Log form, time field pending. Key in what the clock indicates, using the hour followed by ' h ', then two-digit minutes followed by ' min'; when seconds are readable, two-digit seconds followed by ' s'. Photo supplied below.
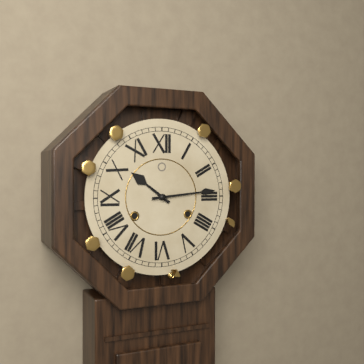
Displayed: 10 h 14 min
